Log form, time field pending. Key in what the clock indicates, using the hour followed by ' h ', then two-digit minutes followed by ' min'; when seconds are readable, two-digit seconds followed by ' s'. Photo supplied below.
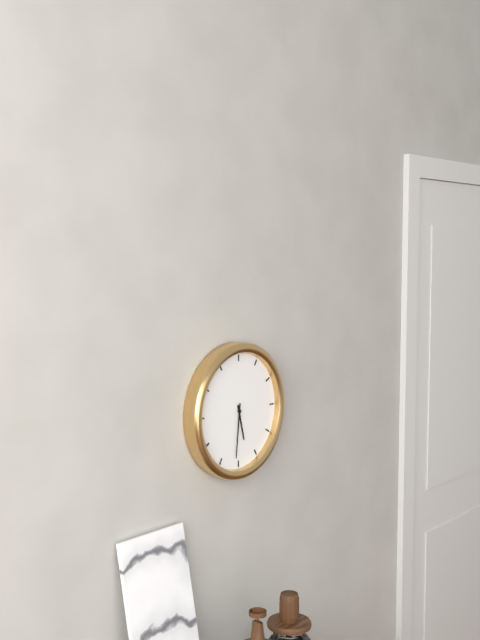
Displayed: 5 h 31 min
